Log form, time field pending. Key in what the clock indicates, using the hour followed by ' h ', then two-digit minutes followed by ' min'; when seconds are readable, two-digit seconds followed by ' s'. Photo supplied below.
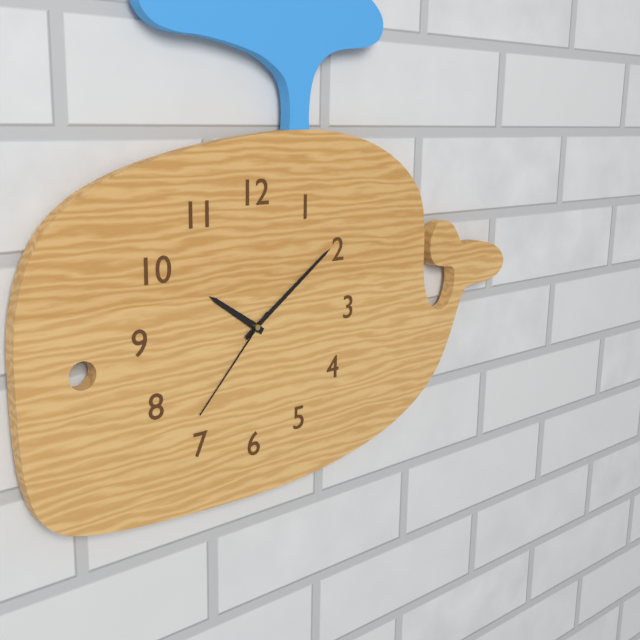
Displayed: 10 h 09 min 37 s
